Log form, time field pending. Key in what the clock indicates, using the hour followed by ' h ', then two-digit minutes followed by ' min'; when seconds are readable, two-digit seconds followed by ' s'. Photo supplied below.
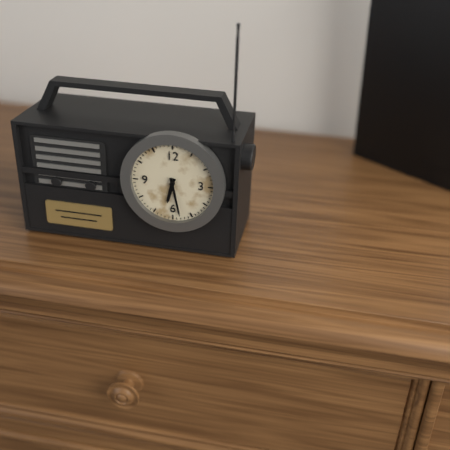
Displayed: 6 h 28 min
